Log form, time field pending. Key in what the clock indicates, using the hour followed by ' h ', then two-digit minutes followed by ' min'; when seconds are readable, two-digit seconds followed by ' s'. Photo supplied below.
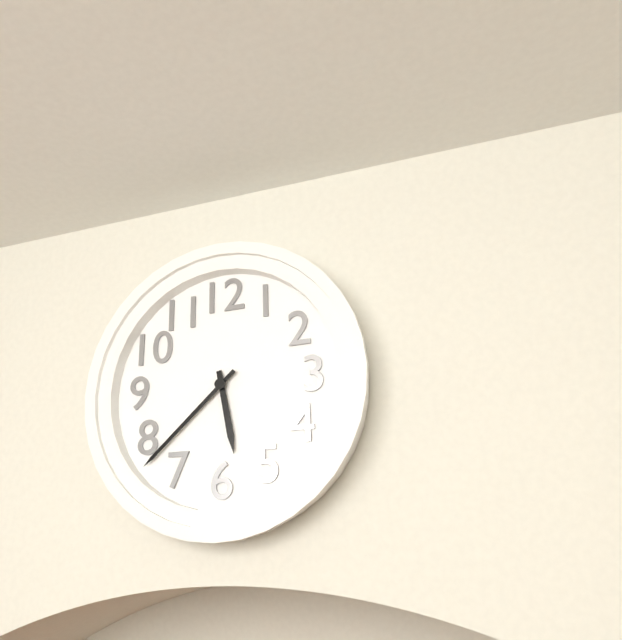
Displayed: 5 h 38 min
